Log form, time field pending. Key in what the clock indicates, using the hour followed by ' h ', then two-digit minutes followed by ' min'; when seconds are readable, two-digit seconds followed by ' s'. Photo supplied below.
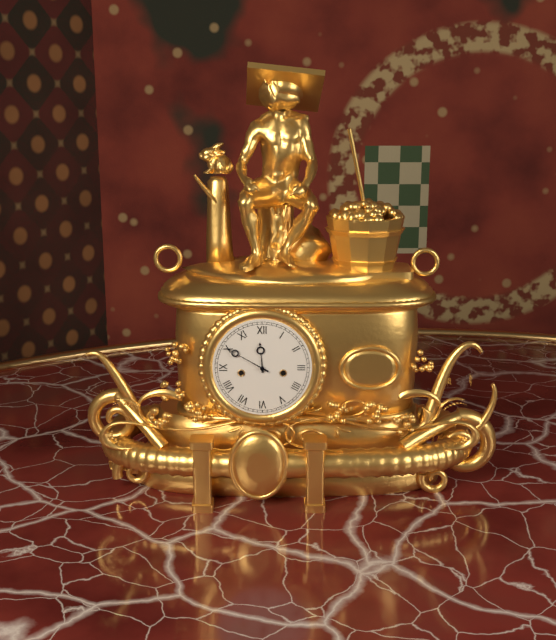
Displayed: 11 h 50 min
